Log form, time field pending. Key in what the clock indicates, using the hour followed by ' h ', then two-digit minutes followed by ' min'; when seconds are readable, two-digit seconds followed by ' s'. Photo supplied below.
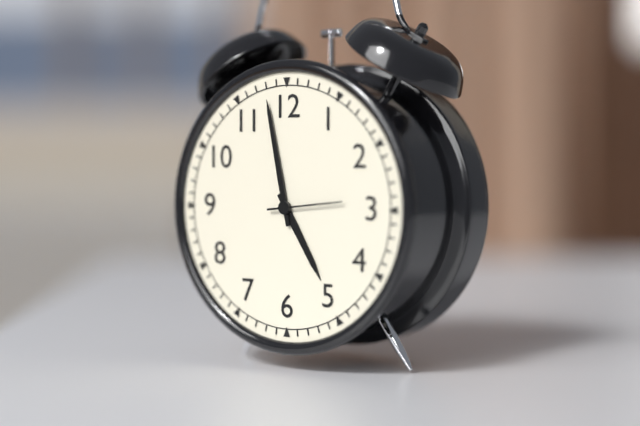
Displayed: 4 h 58 min 14 s
